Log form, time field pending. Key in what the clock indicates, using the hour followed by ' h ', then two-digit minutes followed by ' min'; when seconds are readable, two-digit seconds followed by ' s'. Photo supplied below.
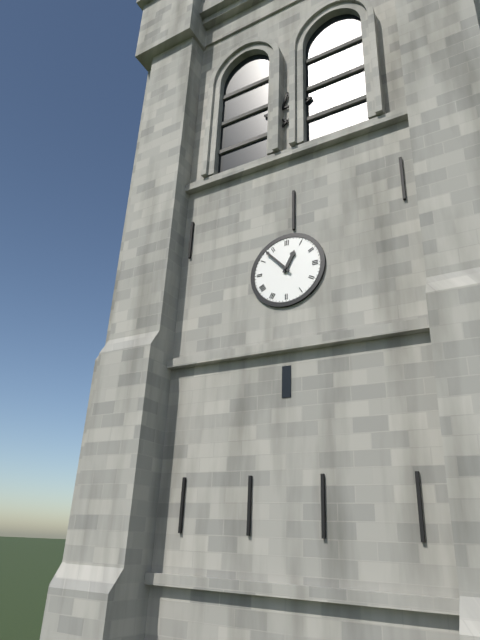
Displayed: 12 h 53 min
